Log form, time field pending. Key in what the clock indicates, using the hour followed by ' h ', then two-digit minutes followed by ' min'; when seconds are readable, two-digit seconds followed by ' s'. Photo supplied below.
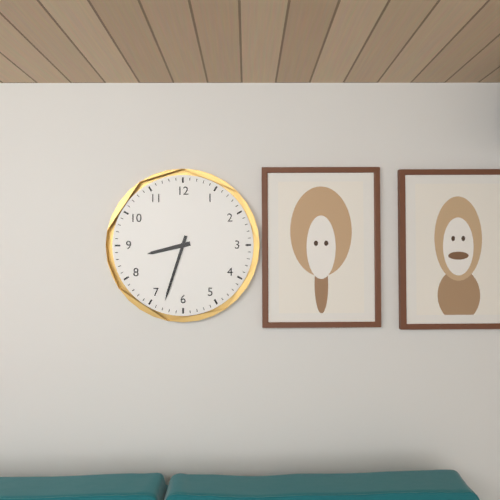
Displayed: 8 h 33 min
